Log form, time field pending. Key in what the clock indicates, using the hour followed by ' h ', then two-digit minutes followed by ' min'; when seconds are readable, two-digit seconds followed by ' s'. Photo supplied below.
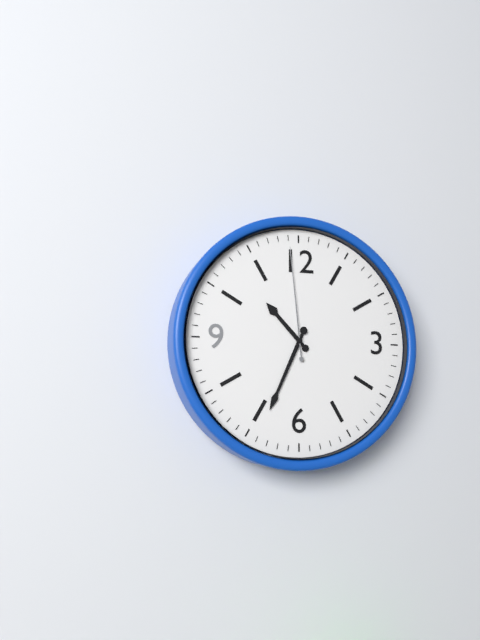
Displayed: 10 h 34 min 59 s
